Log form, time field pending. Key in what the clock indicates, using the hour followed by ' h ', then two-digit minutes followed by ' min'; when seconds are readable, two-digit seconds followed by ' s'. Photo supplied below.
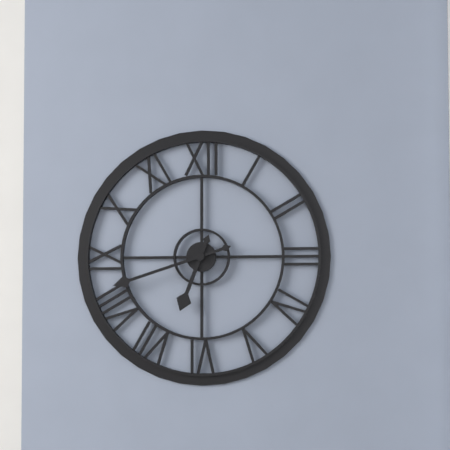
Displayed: 6 h 42 min
